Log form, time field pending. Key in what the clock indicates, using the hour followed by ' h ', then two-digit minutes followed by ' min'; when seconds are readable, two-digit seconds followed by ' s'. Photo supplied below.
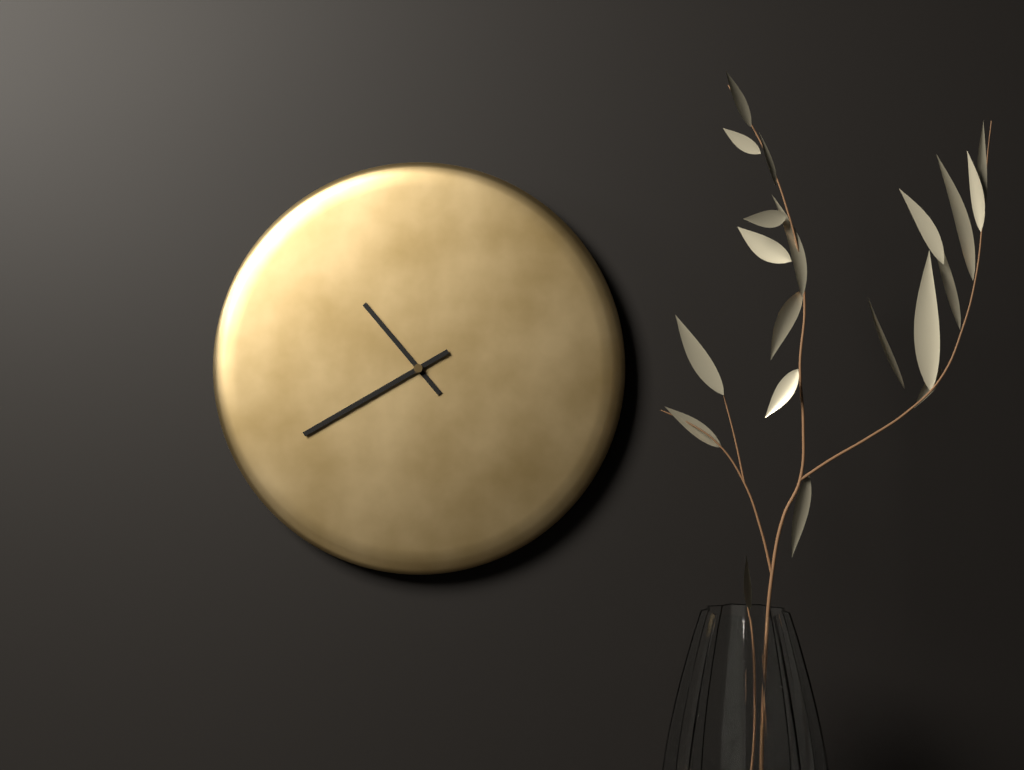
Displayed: 10 h 40 min
